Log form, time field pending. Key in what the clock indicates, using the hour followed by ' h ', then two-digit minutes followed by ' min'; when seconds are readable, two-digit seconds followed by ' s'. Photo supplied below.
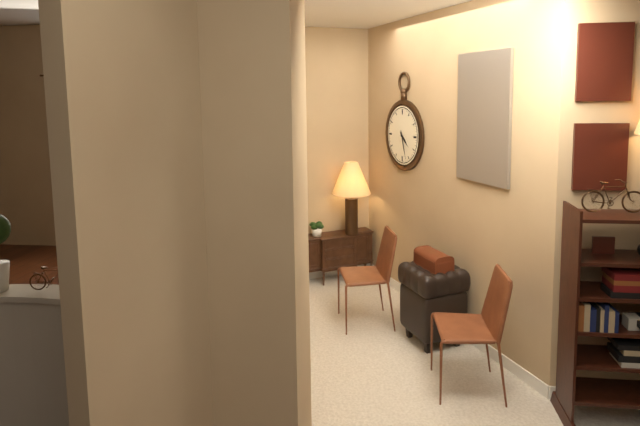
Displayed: 4 h 27 min
